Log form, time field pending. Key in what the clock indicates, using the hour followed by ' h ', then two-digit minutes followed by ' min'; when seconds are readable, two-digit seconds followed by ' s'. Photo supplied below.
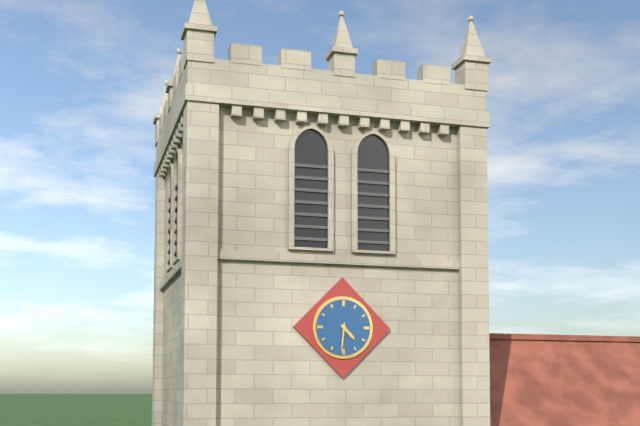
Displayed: 4 h 31 min
